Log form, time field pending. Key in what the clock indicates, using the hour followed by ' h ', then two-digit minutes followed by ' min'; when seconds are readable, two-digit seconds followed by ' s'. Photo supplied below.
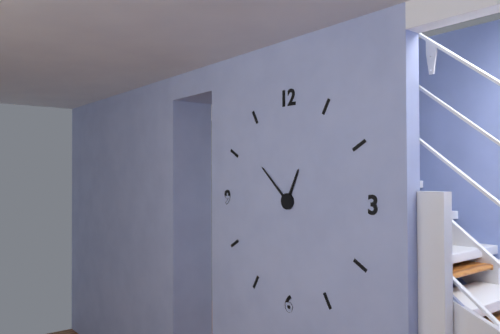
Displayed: 12 h 52 min
